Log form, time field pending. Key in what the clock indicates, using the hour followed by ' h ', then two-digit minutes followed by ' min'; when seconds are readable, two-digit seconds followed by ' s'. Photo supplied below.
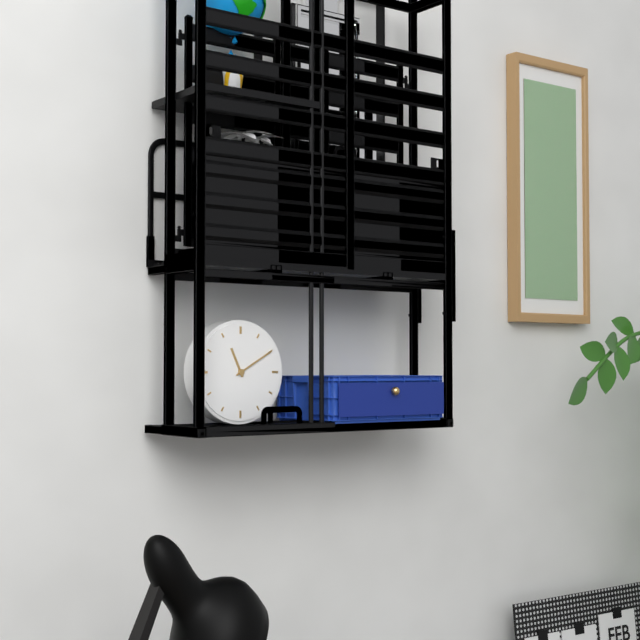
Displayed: 11 h 10 min
